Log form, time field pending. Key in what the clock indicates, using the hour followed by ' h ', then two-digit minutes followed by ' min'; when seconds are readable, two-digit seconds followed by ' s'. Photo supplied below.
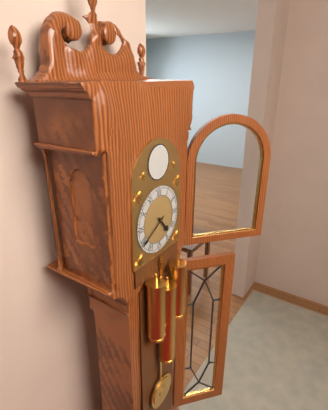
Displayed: 4 h 40 min
